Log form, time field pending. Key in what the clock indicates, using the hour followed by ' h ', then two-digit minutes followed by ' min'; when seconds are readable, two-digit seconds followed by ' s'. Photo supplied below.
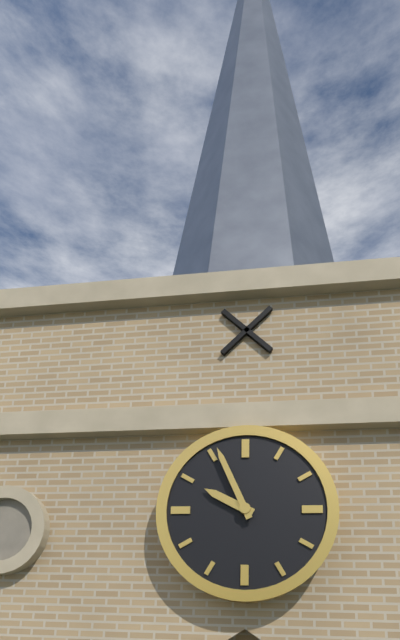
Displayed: 9 h 56 min
